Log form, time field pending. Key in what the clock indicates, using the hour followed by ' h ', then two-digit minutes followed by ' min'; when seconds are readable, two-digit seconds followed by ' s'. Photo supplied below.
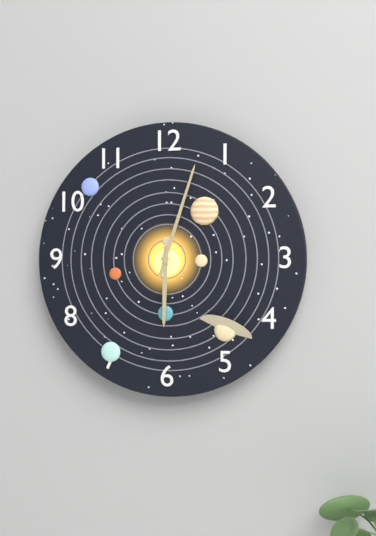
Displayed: 6 h 03 min
